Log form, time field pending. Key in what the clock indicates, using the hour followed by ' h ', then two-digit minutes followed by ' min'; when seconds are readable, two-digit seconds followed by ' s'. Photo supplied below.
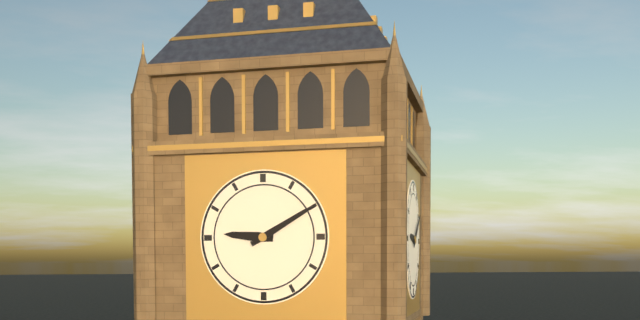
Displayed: 9 h 10 min
